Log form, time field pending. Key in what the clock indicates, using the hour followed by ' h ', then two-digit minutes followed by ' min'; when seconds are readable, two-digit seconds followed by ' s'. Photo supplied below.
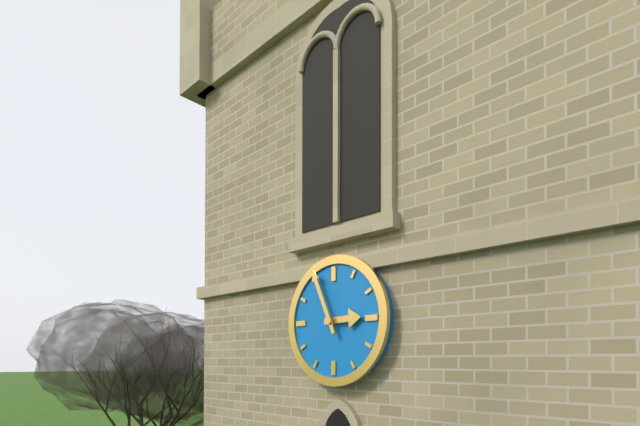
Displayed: 2 h 56 min
